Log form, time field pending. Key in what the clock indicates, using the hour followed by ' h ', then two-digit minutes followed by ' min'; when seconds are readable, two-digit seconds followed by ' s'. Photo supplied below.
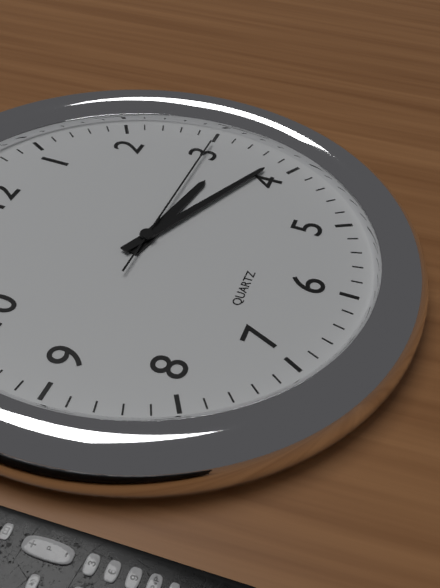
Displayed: 3 h 19 min 15 s
